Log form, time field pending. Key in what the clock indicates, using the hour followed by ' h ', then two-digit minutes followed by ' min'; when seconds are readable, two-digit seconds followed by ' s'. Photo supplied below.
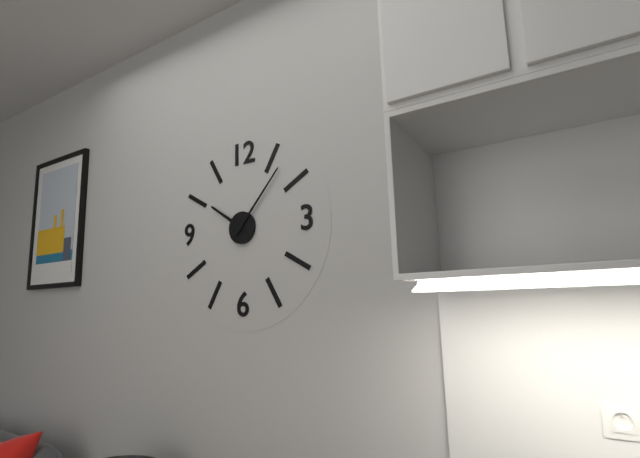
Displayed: 10 h 07 min
